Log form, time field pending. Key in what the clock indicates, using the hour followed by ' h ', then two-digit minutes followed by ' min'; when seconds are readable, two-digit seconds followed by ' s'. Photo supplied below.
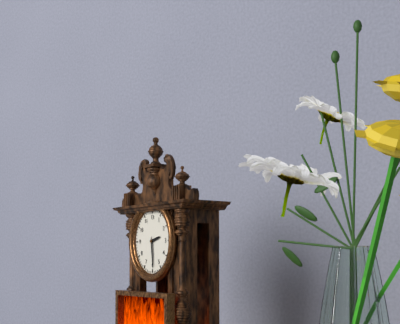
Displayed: 2 h 29 min
